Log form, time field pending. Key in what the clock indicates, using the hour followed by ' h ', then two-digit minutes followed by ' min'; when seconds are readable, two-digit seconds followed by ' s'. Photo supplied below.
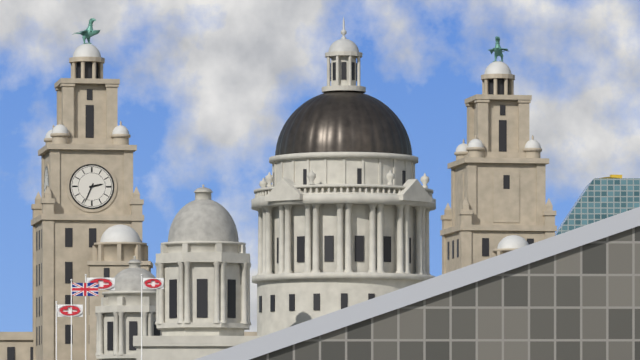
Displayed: 2 h 34 min
